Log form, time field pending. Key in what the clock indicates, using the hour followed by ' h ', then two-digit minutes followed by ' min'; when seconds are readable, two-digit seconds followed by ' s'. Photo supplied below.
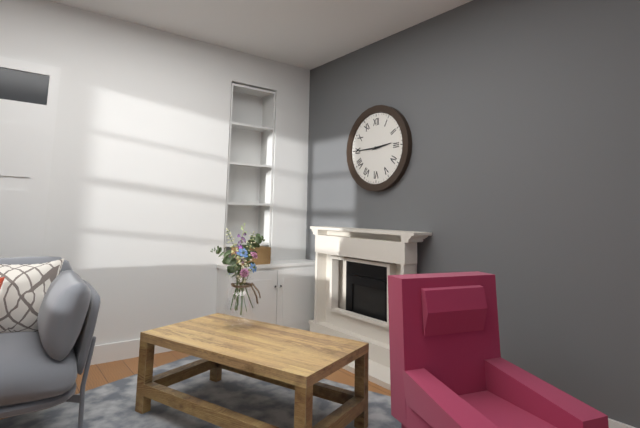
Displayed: 2 h 45 min
